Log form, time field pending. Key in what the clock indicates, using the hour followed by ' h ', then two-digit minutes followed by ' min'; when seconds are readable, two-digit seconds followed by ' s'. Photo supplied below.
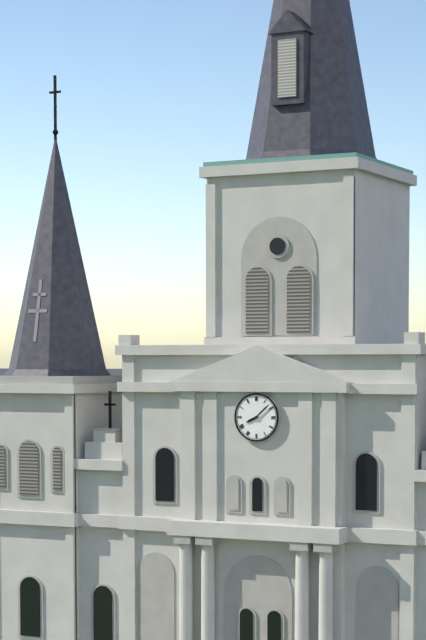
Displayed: 8 h 08 min
